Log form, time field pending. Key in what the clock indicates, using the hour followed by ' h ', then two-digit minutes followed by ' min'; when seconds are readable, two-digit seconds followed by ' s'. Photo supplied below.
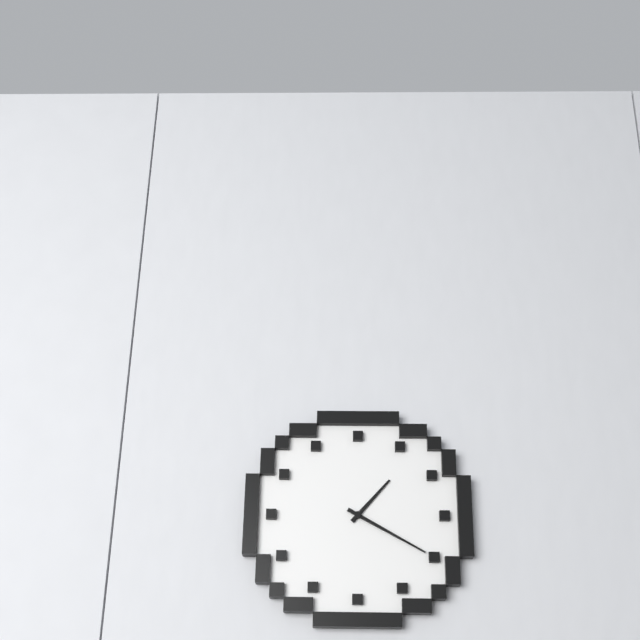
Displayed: 1 h 20 min
